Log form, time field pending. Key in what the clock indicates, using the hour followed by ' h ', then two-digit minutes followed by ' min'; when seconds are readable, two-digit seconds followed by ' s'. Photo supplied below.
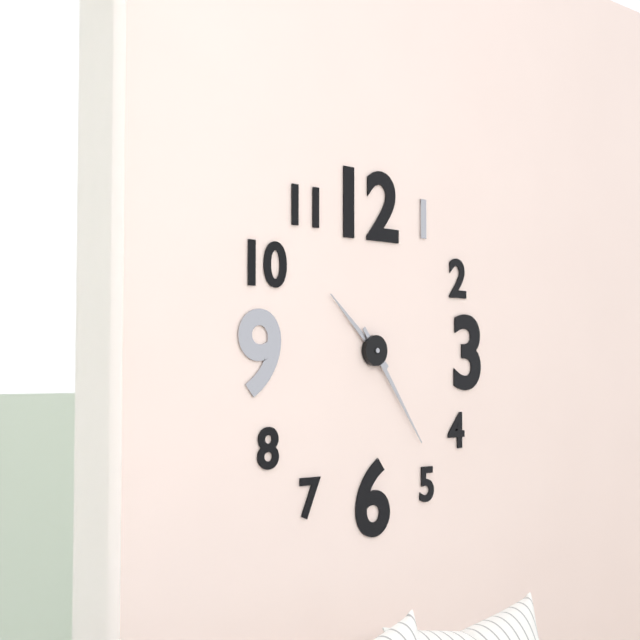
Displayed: 10 h 24 min
